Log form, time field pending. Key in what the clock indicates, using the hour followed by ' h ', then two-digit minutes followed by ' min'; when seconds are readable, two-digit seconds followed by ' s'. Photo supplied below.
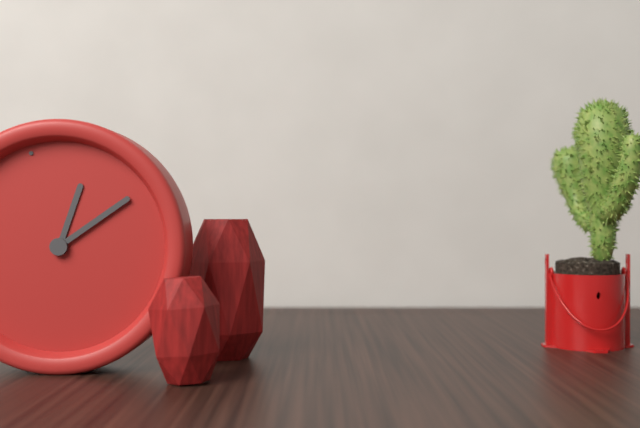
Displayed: 1 h 12 min
